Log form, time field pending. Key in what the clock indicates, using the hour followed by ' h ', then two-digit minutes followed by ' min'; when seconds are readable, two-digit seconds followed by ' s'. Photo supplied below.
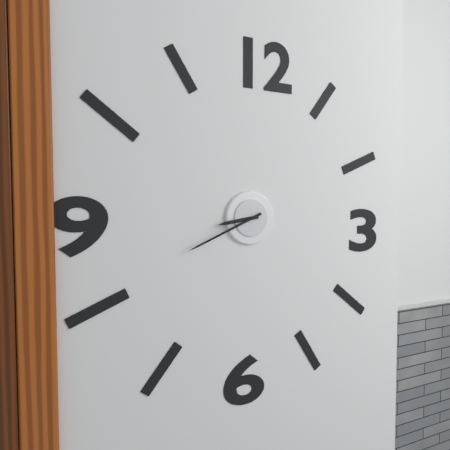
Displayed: 8 h 41 min
